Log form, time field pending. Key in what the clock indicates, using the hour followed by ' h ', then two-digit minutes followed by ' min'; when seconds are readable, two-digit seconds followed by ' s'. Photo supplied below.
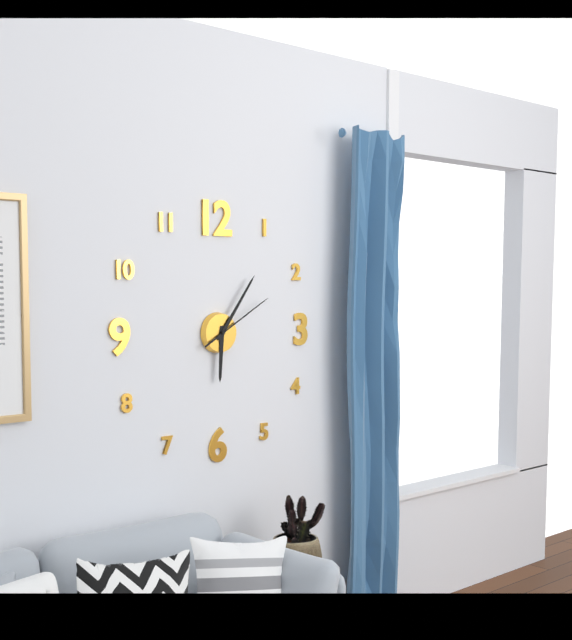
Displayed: 6 h 06 min 10 s
